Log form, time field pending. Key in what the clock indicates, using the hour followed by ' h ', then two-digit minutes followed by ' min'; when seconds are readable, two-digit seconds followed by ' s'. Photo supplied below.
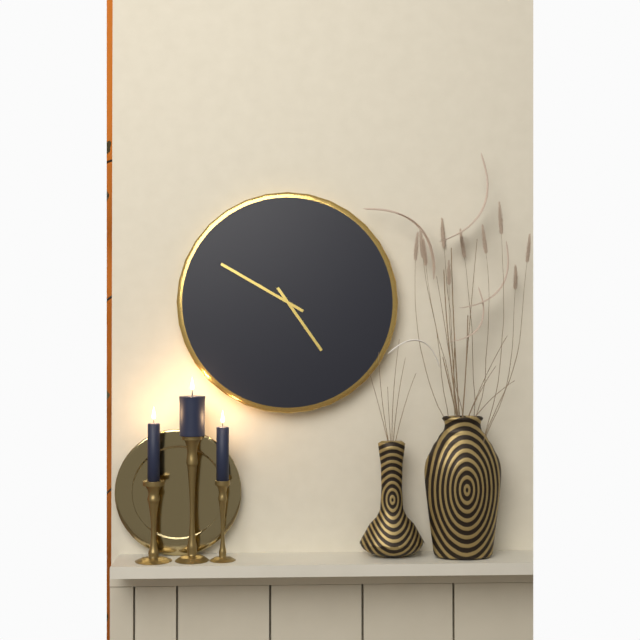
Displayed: 4 h 50 min
